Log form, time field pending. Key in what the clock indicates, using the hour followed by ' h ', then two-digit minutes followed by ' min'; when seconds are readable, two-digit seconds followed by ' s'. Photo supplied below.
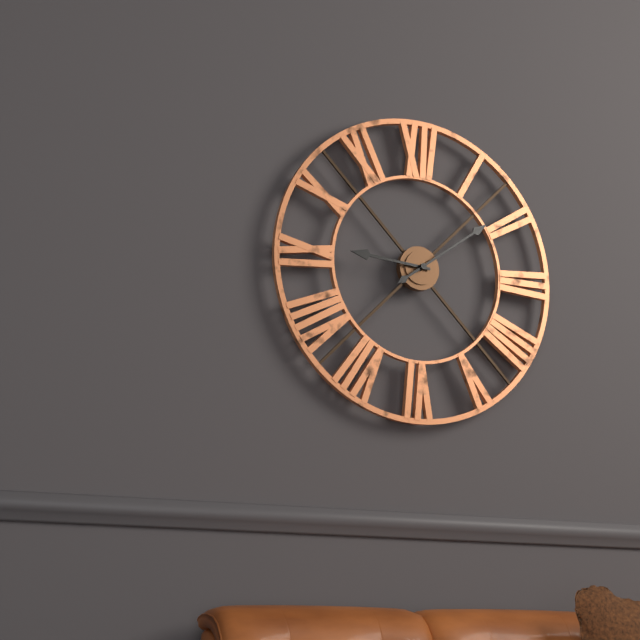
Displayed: 9 h 09 min
